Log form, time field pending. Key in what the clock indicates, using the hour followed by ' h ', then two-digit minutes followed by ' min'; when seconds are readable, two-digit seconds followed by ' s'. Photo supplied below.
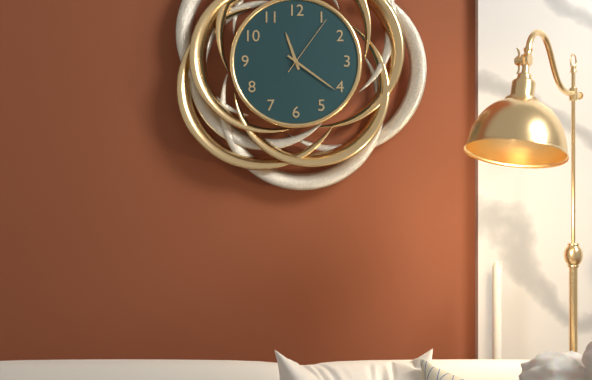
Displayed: 11 h 21 min 06 s
